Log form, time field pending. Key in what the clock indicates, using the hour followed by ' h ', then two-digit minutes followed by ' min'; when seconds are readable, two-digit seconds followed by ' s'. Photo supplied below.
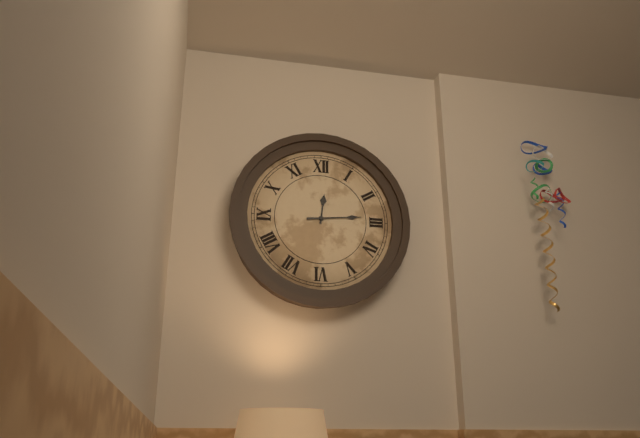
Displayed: 12 h 14 min
